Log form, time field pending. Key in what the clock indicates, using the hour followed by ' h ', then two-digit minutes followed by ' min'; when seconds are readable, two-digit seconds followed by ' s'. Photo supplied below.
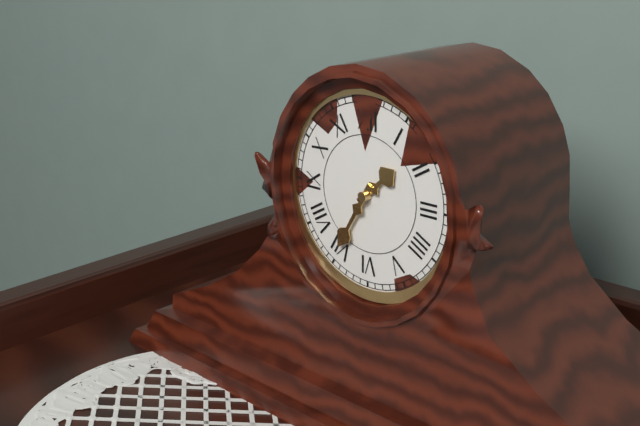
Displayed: 1 h 35 min
